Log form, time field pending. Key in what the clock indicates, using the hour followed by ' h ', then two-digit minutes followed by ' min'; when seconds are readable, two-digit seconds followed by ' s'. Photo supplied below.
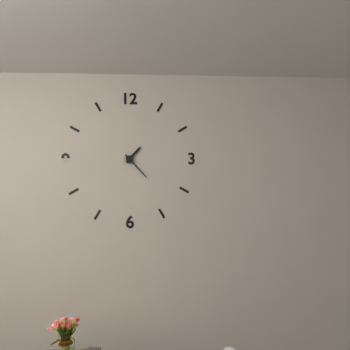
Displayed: 1 h 23 min
